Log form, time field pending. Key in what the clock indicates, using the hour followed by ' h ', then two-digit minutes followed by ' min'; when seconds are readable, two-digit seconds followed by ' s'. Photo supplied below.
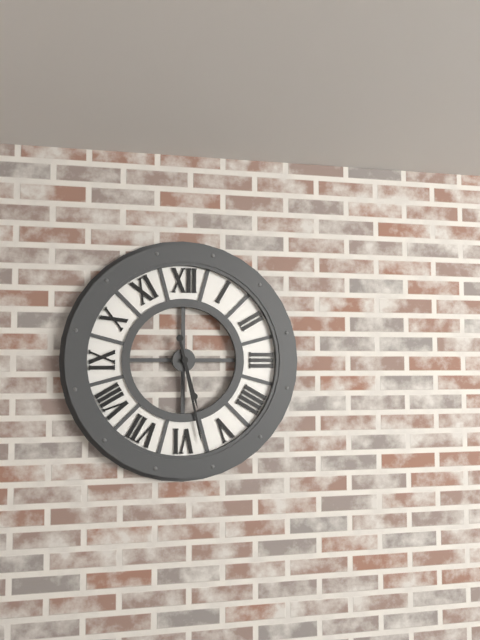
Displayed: 5 h 28 min
